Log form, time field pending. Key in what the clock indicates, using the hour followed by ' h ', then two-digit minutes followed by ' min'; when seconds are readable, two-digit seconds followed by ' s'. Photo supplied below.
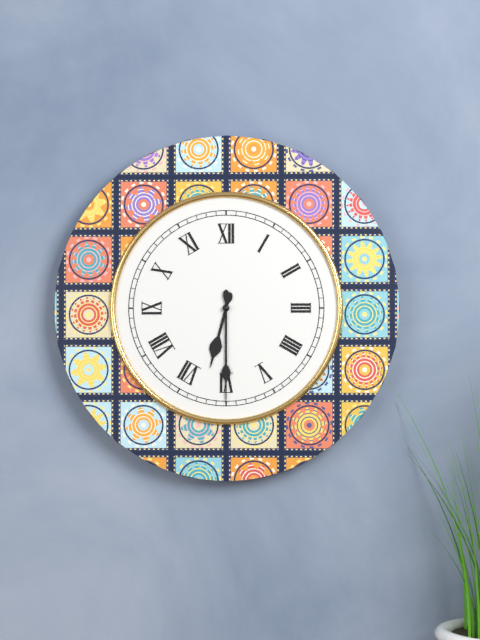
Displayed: 6 h 30 min
